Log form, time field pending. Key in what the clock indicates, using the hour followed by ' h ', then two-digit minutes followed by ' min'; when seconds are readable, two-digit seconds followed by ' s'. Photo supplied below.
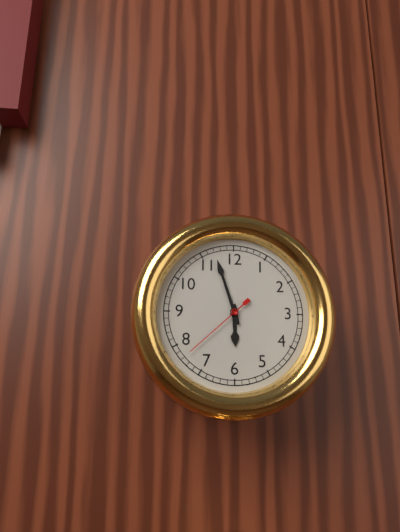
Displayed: 5 h 57 min 38 s
